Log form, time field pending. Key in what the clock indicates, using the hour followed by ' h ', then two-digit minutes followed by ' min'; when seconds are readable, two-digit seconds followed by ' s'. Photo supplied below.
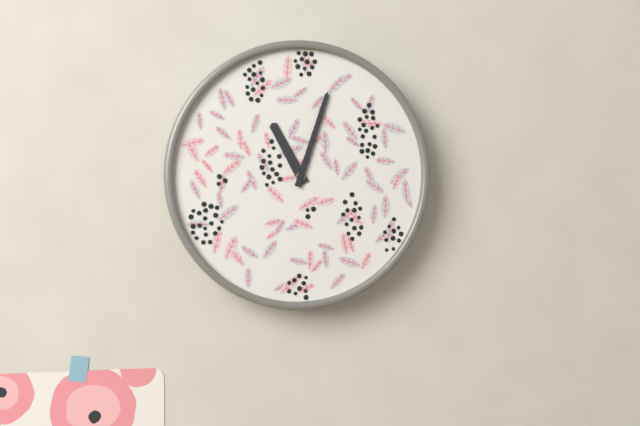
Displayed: 11 h 03 min
